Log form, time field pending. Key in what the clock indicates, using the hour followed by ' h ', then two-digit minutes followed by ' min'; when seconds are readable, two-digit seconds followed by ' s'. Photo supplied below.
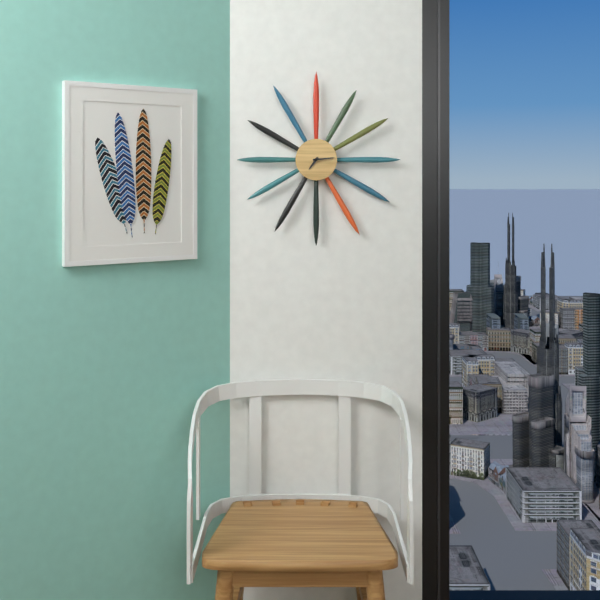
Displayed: 7 h 14 min
